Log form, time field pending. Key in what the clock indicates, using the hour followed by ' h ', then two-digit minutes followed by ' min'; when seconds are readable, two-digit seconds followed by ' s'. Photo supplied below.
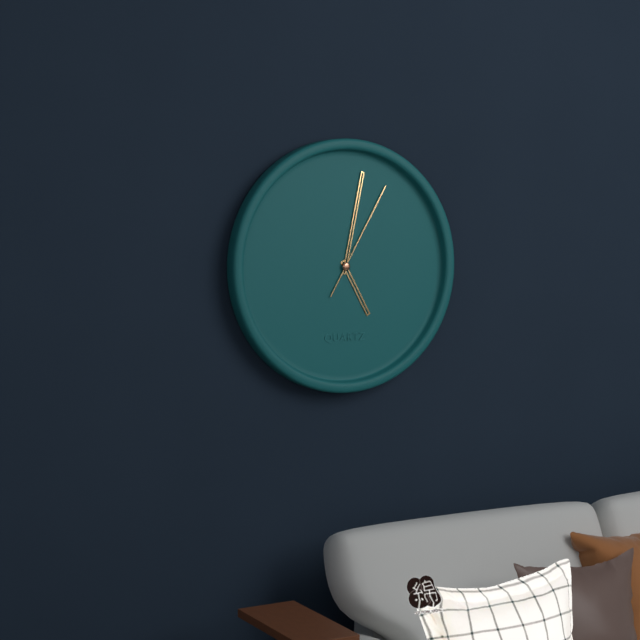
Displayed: 5 h 02 min 05 s
